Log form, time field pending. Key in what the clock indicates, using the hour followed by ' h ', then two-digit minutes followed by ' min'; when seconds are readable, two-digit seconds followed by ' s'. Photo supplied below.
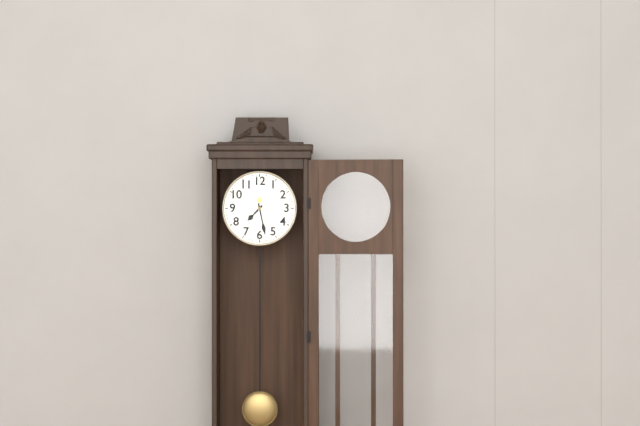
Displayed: 7 h 28 min
